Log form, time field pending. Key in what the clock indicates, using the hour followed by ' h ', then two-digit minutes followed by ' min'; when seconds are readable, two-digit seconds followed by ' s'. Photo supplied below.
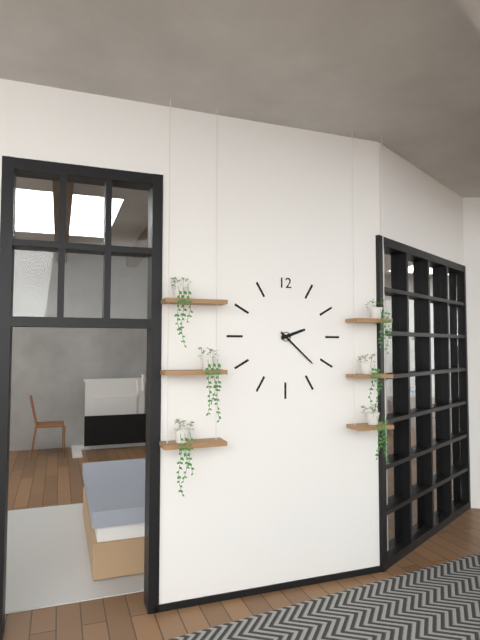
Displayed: 2 h 22 min
